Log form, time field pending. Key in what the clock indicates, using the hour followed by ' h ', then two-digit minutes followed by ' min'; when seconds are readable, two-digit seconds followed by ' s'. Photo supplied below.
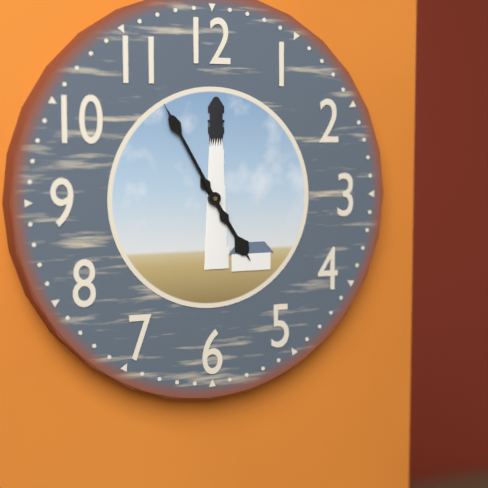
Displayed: 4 h 55 min
